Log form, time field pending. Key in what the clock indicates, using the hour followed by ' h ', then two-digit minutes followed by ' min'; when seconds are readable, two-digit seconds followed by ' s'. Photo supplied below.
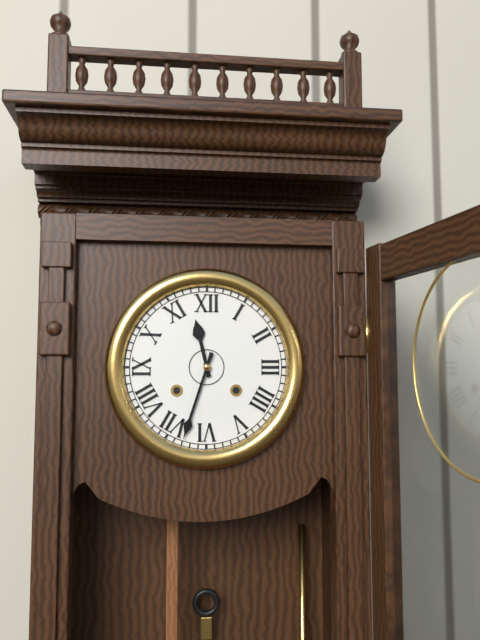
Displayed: 11 h 33 min
